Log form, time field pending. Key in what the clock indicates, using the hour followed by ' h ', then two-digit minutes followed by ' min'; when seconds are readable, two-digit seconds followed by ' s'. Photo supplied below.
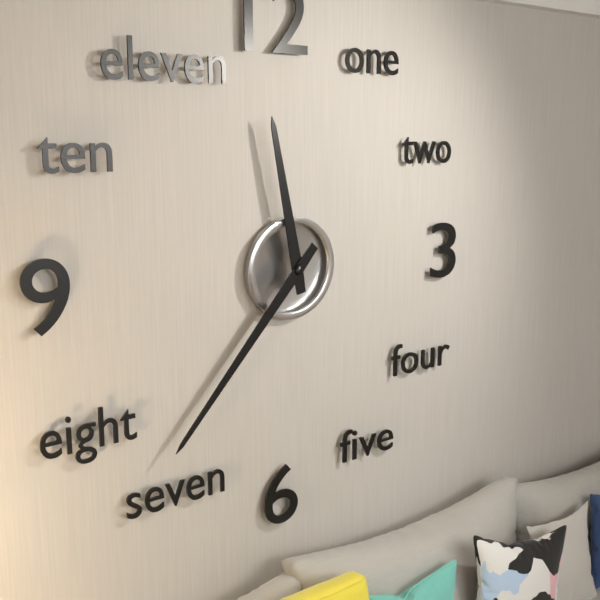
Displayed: 11 h 37 min
